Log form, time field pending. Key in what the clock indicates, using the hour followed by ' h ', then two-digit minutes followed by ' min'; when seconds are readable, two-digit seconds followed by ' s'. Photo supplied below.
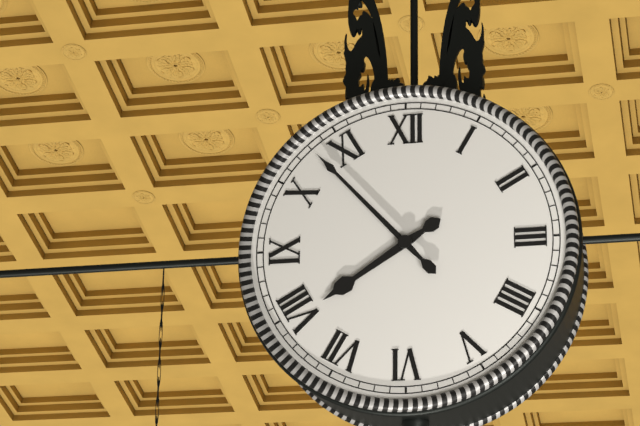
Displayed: 7 h 53 min
